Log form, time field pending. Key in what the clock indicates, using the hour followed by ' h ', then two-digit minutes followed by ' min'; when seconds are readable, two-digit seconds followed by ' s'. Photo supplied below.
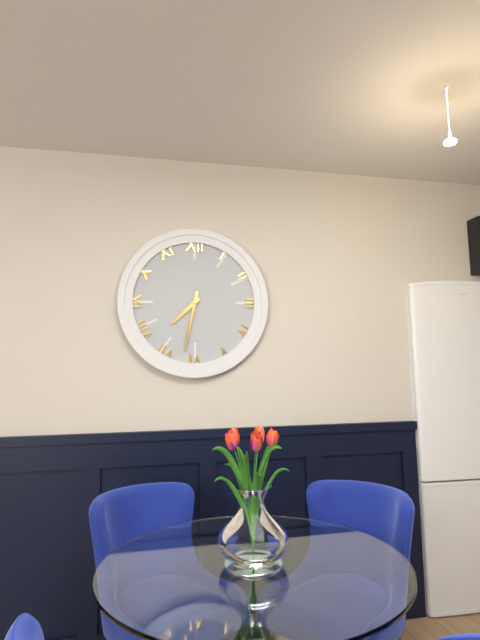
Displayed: 7 h 32 min
